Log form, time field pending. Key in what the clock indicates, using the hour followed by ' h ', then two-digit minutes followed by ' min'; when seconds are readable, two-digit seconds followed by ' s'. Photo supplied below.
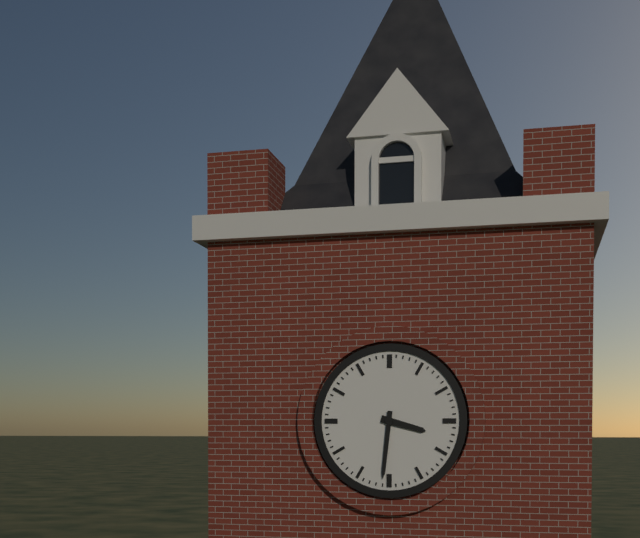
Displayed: 3 h 31 min
